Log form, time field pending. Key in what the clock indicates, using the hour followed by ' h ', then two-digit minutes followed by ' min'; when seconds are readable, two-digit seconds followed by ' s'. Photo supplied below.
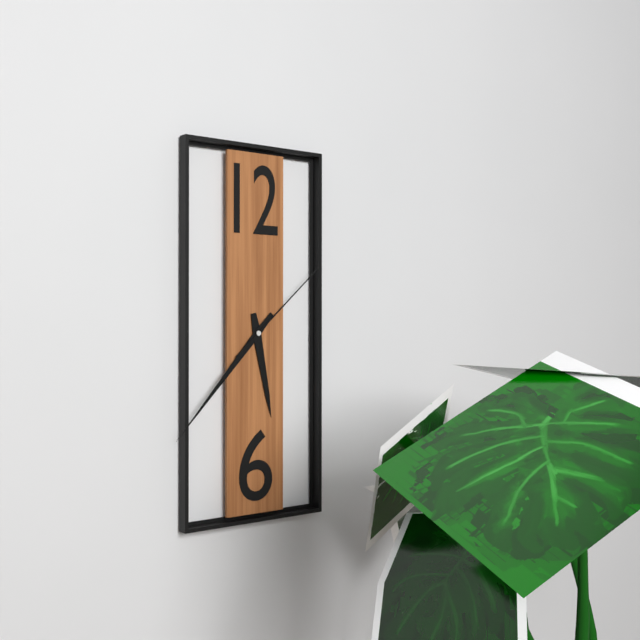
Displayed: 5 h 37 min 08 s
